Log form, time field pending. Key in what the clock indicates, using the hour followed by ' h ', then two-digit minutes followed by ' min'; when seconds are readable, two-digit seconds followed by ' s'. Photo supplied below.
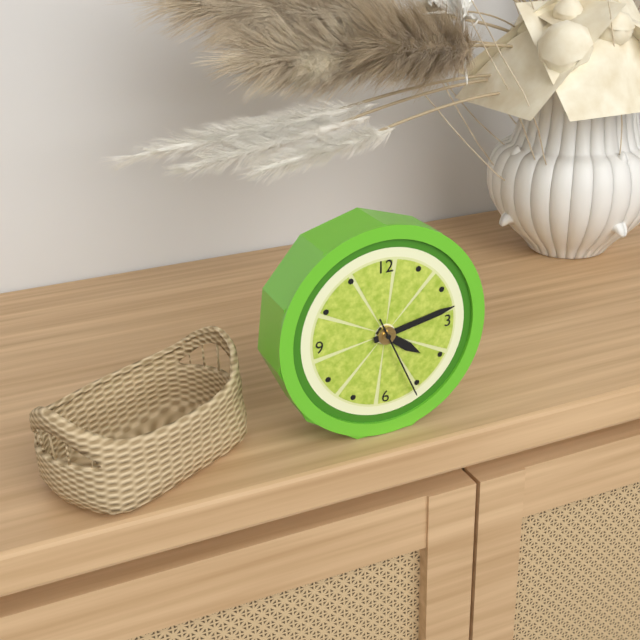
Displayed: 4 h 13 min 26 s
